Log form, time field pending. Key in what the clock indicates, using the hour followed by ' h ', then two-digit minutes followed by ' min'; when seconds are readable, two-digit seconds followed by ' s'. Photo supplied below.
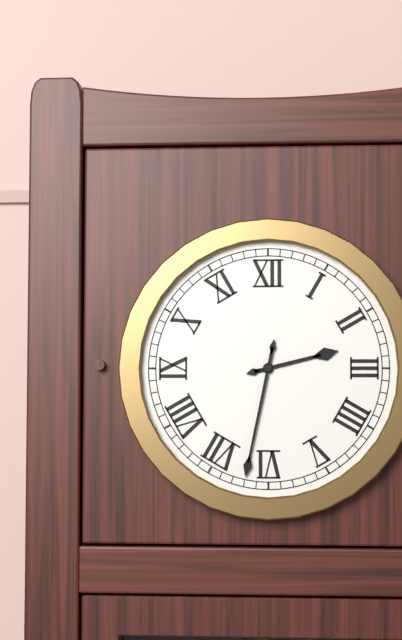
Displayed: 2 h 32 min
